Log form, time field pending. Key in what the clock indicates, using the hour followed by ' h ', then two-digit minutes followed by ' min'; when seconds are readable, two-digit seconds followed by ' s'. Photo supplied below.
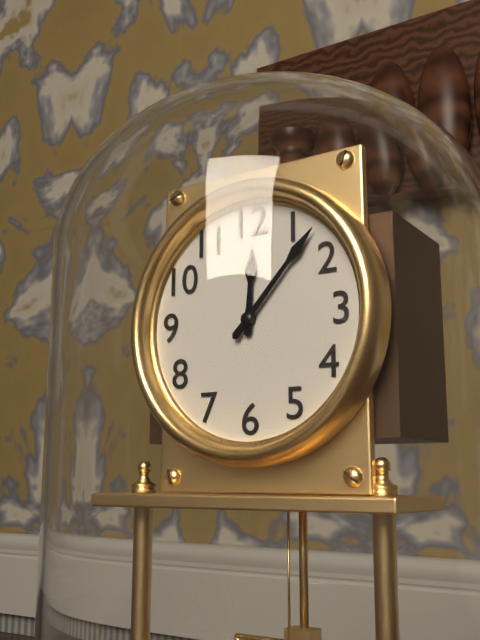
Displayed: 12 h 07 min
